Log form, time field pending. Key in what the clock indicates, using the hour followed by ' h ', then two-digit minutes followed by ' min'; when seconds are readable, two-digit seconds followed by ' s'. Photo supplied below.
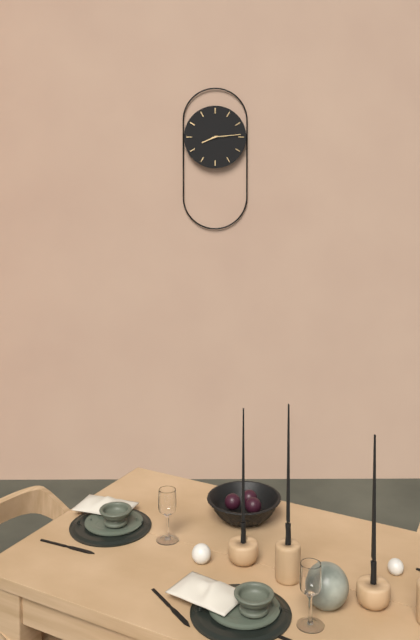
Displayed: 8 h 14 min
